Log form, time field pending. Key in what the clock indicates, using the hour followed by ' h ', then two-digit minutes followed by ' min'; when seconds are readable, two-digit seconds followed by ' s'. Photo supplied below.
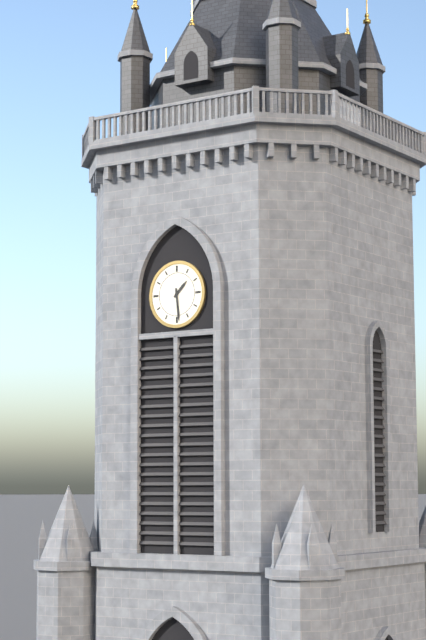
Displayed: 1 h 29 min
